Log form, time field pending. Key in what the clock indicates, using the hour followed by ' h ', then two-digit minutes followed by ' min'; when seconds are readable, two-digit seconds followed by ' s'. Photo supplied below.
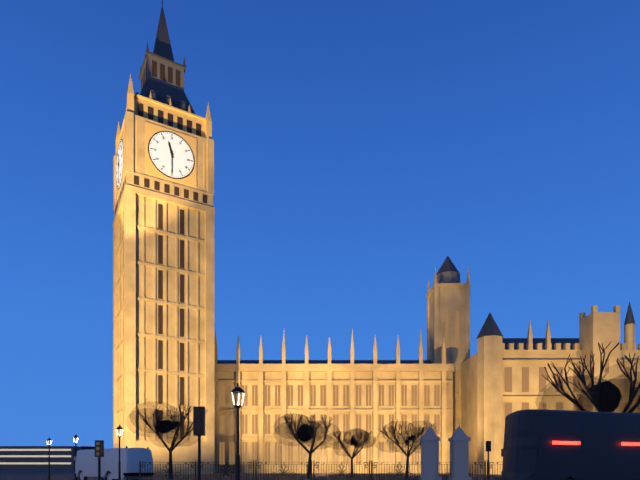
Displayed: 11 h 30 min
